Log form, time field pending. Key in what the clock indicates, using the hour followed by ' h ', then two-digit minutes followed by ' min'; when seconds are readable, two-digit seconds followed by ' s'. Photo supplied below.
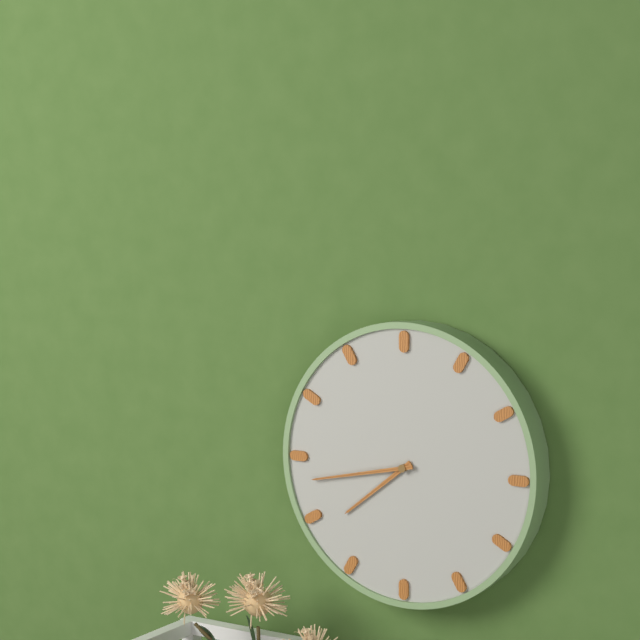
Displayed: 7 h 43 min
